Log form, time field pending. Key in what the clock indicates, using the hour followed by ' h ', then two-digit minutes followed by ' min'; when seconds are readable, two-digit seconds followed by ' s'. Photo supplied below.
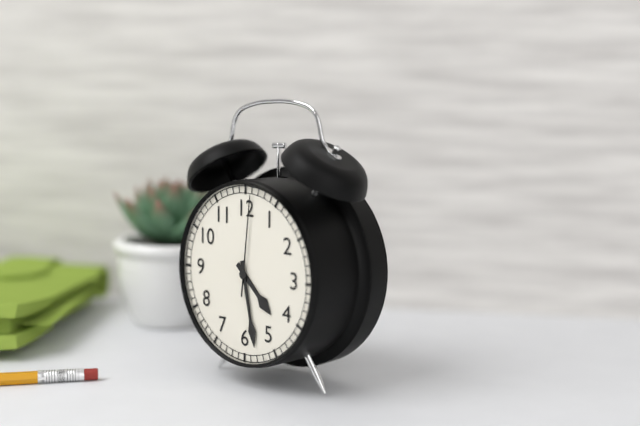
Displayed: 4 h 28 min 01 s
